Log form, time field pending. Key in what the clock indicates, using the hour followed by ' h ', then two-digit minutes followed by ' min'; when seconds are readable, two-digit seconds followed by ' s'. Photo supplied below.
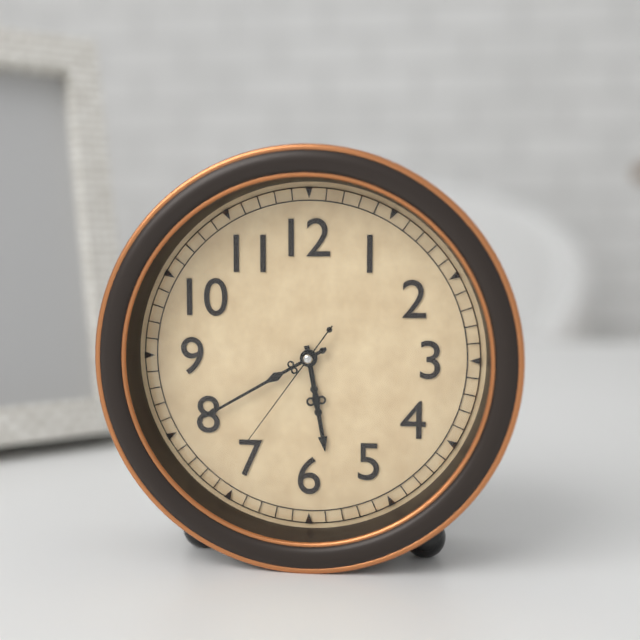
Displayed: 5 h 40 min 36 s
